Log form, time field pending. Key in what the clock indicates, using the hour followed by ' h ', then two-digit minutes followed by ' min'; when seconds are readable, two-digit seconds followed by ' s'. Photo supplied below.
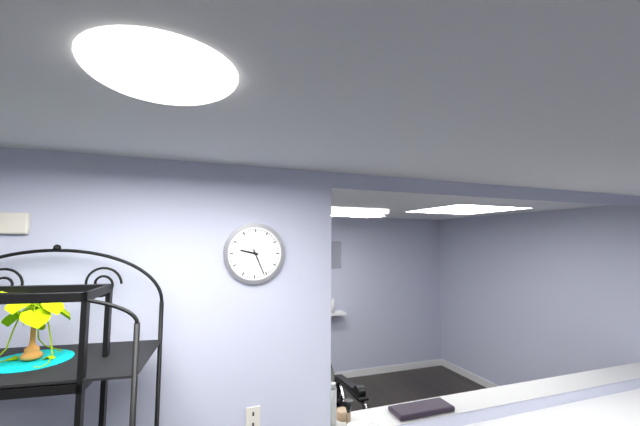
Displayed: 9 h 26 min
